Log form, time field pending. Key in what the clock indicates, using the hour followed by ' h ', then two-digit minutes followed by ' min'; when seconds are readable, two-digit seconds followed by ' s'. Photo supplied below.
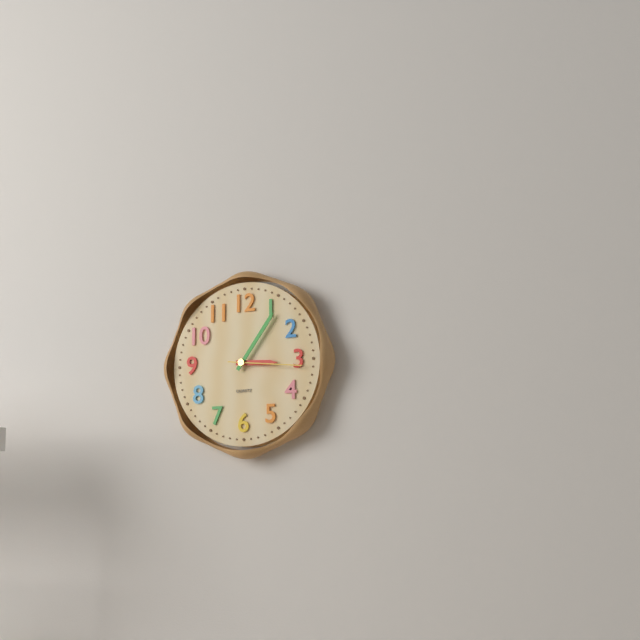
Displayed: 3 h 06 min 16 s
